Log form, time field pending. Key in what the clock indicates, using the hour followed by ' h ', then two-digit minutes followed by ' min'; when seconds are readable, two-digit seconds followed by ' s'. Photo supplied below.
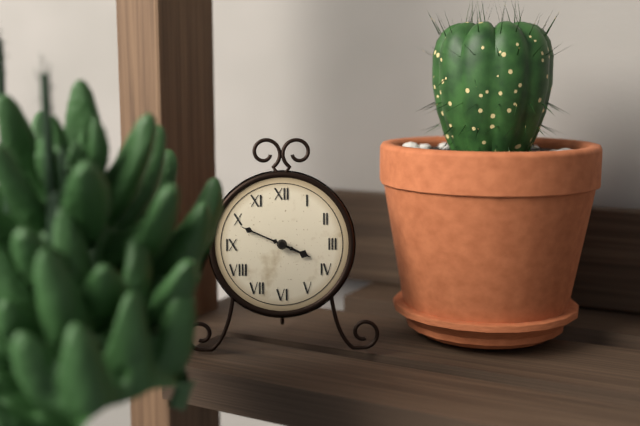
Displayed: 3 h 49 min
